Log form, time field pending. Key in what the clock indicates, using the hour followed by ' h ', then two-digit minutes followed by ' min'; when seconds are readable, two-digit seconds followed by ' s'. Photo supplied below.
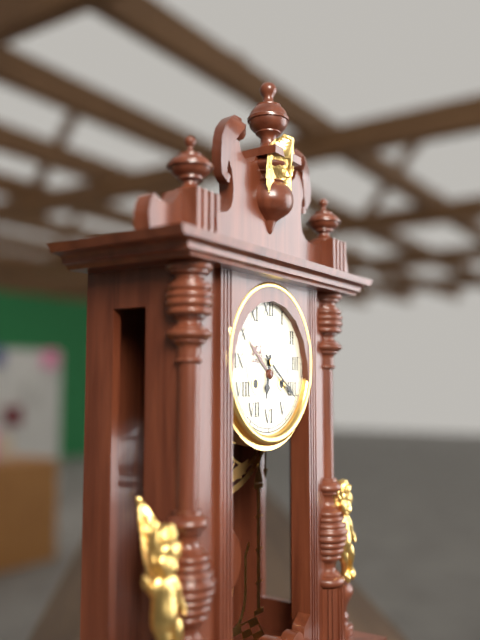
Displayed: 6 h 21 min
